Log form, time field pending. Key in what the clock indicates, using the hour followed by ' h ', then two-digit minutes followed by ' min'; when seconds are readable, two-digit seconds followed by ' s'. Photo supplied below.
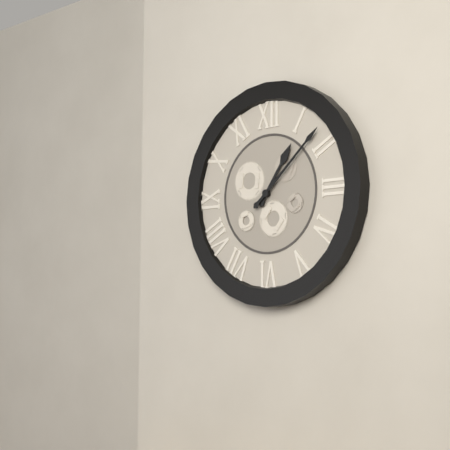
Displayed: 1 h 08 min
